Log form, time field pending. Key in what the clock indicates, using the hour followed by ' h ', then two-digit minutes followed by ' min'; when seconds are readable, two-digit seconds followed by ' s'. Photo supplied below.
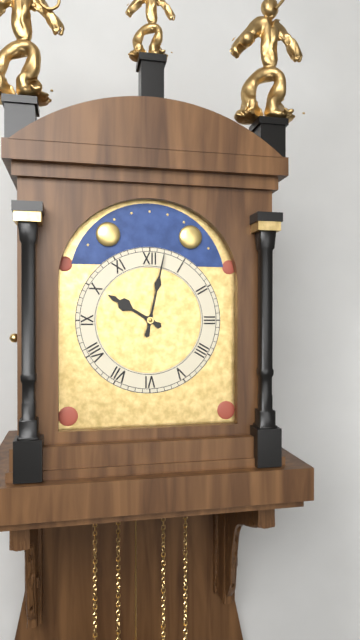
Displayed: 10 h 02 min
